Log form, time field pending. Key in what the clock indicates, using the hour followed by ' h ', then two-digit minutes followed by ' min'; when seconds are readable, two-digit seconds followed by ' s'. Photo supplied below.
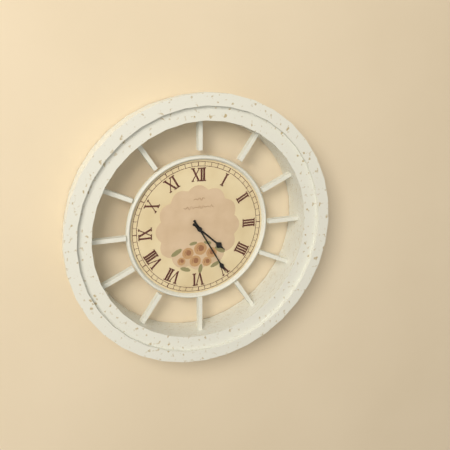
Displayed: 4 h 25 min
